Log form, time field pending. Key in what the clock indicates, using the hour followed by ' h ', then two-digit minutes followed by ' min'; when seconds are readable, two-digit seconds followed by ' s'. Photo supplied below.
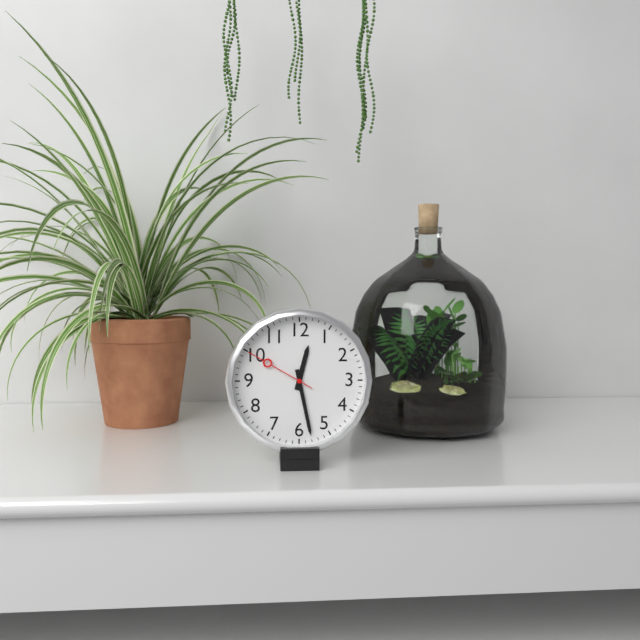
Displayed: 12 h 28 min 50 s
